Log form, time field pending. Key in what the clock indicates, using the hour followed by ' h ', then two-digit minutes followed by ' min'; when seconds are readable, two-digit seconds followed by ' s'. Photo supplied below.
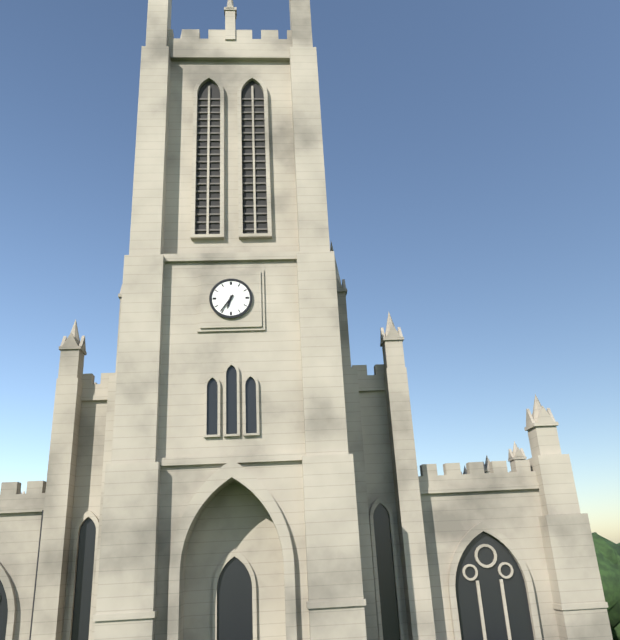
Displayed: 6 h 36 min
